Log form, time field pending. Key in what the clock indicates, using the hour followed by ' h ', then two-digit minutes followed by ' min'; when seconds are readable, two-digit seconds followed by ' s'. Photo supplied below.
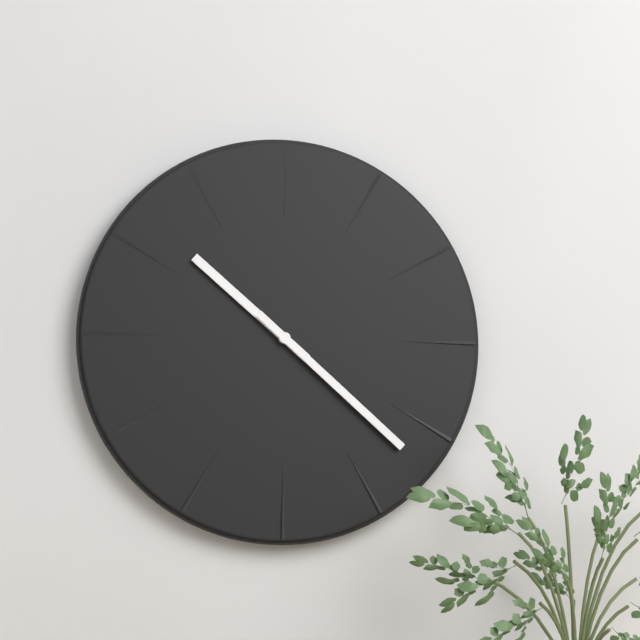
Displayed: 10 h 22 min
